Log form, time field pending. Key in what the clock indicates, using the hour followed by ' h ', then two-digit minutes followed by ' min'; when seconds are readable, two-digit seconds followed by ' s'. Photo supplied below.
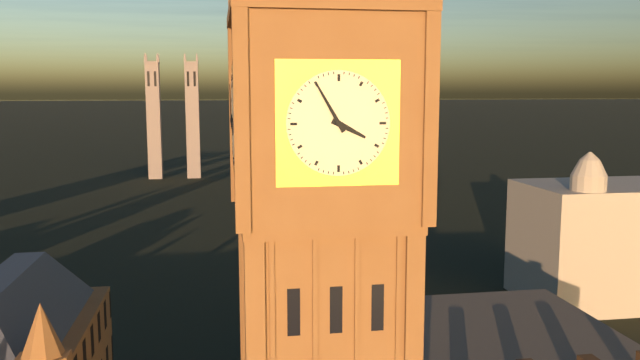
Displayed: 3 h 55 min
